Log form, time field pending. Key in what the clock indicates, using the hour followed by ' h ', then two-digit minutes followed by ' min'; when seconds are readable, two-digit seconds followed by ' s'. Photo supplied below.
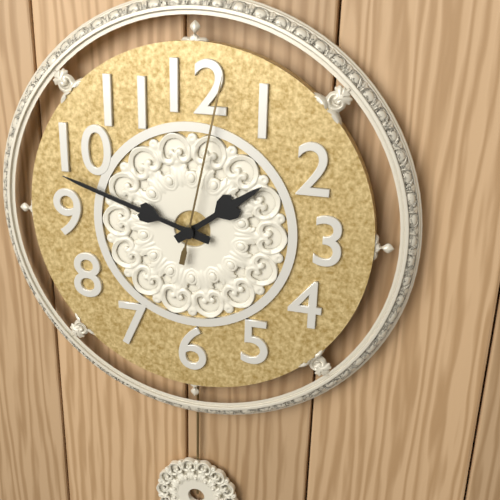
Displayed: 1 h 48 min 02 s
